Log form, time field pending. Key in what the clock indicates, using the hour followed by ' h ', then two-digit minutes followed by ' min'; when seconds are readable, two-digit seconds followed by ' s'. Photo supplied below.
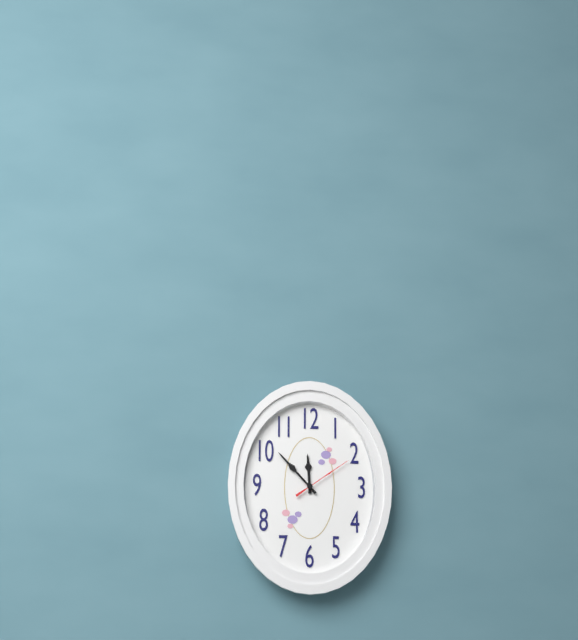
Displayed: 11 h 53 min 09 s
